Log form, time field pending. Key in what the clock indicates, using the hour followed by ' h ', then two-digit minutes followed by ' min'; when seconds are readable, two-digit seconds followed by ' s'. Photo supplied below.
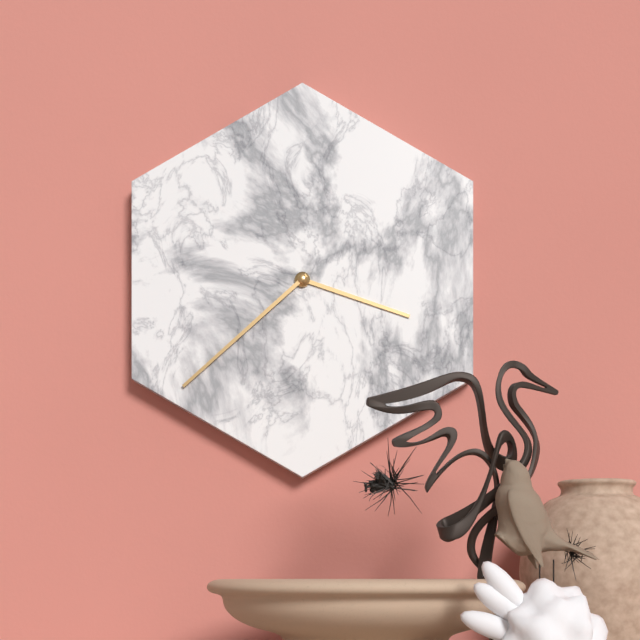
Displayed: 3 h 38 min
